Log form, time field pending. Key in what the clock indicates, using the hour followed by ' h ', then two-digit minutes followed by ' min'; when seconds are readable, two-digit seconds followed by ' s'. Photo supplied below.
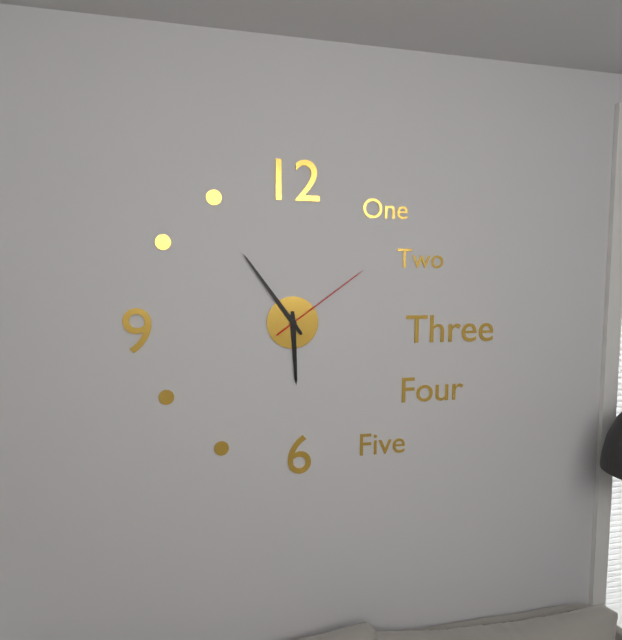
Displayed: 5 h 54 min 09 s
